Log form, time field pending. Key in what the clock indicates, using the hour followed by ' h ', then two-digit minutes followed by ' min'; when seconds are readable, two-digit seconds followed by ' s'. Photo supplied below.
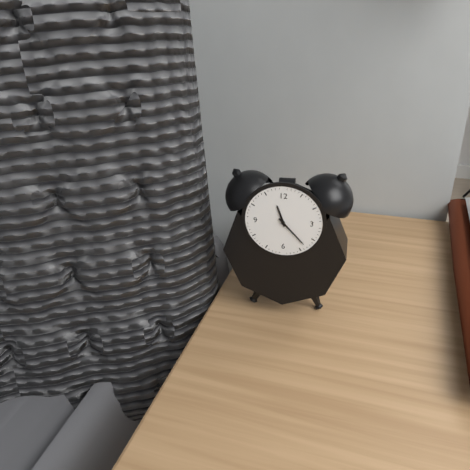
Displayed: 11 h 23 min
